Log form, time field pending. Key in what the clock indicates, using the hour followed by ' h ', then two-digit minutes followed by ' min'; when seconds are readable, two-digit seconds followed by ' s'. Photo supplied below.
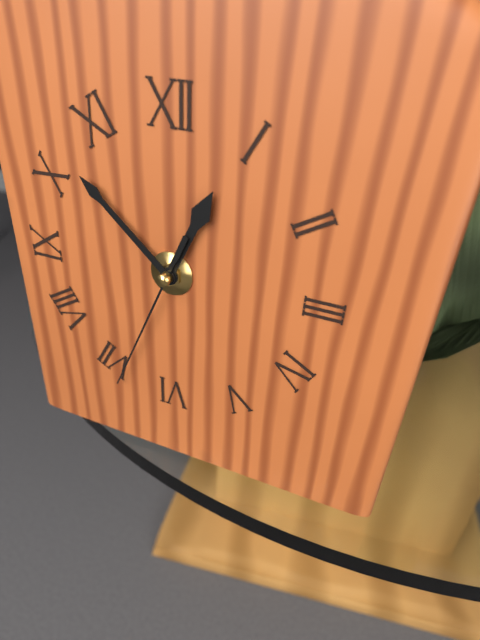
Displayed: 12 h 52 min 34 s
